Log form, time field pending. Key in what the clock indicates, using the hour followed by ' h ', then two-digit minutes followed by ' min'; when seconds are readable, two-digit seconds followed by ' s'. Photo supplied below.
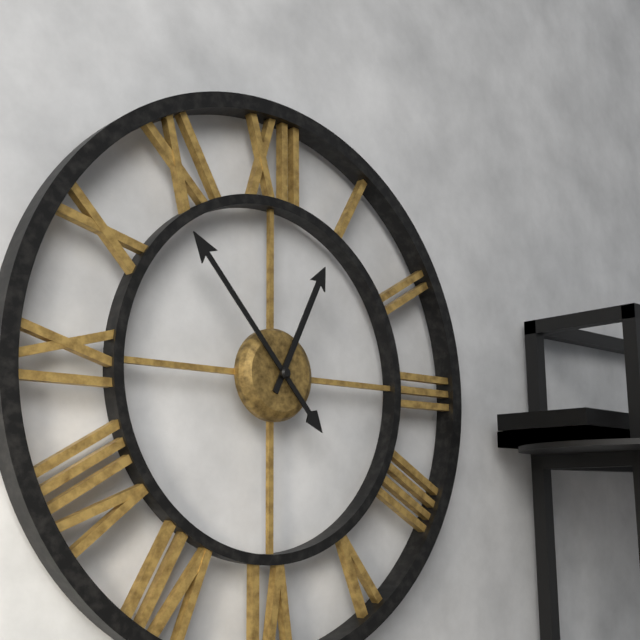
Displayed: 12 h 53 min
